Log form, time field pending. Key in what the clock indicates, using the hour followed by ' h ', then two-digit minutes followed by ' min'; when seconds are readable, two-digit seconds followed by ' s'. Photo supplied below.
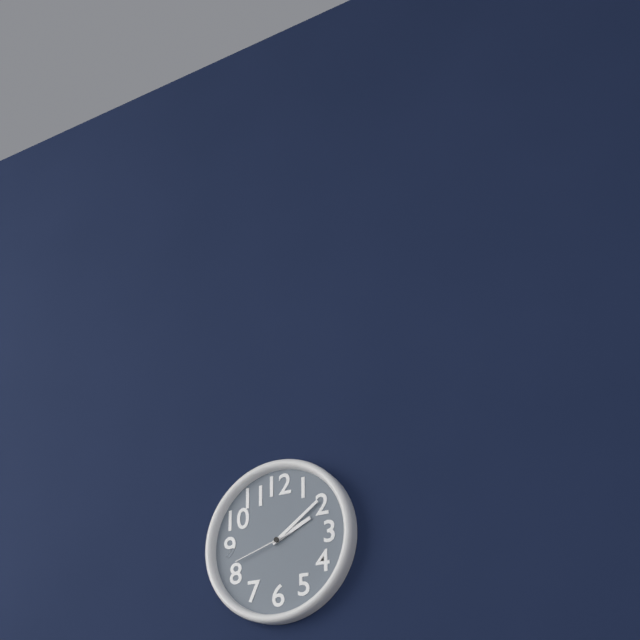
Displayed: 2 h 09 min 42 s
